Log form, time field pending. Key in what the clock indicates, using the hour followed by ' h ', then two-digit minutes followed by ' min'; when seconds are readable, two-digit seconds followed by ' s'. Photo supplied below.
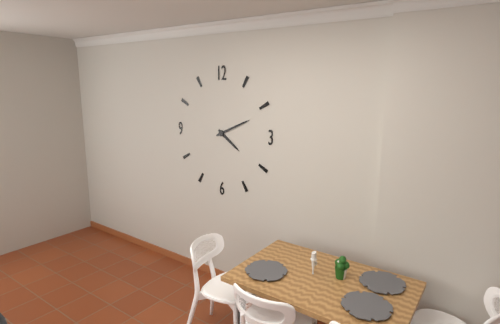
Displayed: 4 h 11 min
